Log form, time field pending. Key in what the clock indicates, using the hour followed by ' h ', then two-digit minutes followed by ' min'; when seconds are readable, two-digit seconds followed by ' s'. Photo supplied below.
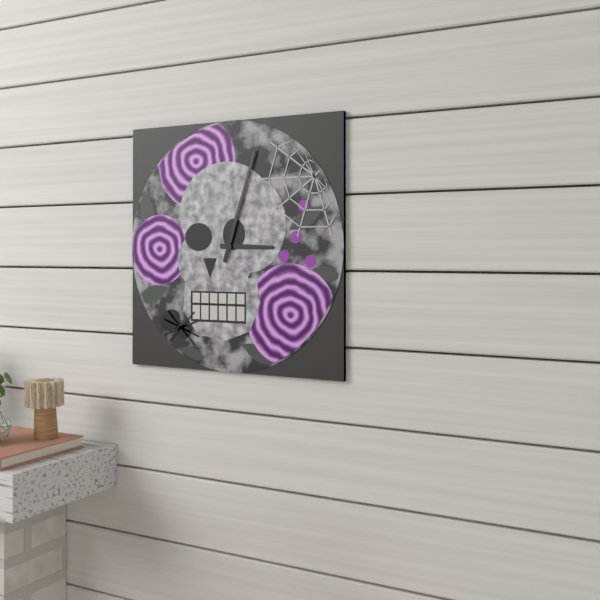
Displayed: 3 h 03 min
